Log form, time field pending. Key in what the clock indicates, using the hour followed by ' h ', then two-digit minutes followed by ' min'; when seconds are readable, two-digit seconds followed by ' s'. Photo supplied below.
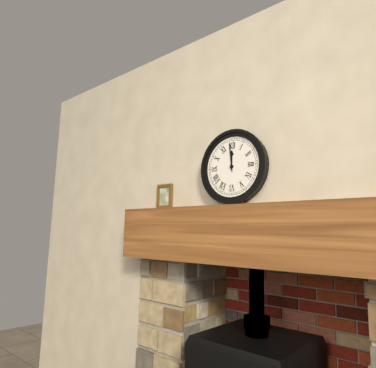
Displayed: 11 h 59 min
